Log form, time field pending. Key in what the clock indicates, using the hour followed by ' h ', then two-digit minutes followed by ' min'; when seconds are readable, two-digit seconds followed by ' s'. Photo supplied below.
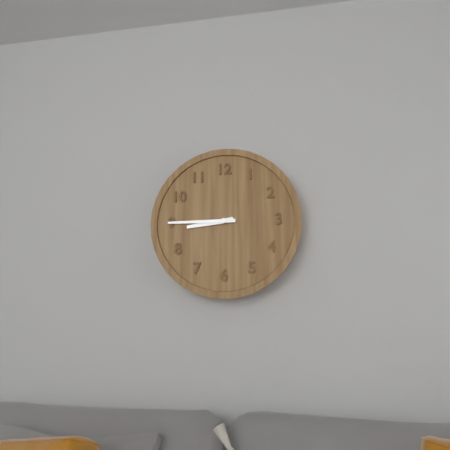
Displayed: 8 h 45 min
